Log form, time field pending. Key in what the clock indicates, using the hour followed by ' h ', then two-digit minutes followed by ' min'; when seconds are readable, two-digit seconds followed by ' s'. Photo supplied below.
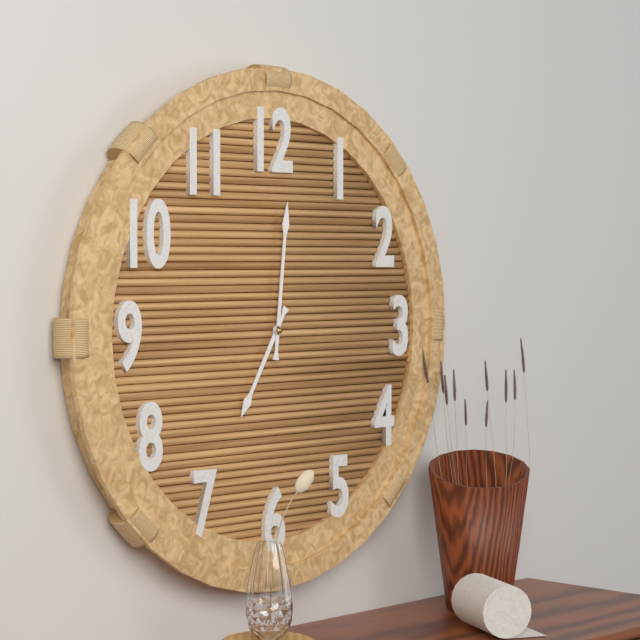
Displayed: 7 h 01 min
